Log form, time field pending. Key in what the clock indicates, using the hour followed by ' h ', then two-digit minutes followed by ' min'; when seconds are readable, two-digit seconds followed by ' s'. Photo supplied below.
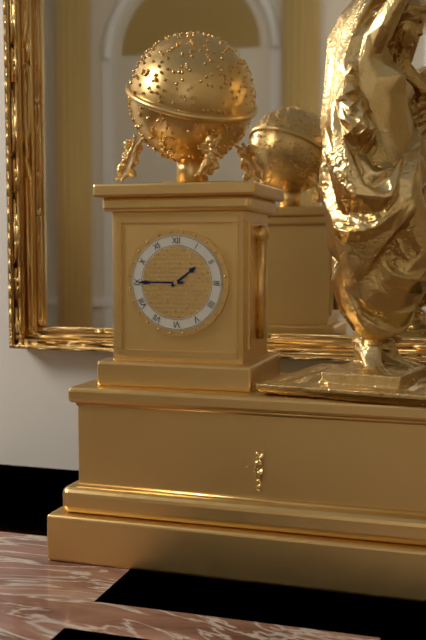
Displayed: 1 h 45 min
